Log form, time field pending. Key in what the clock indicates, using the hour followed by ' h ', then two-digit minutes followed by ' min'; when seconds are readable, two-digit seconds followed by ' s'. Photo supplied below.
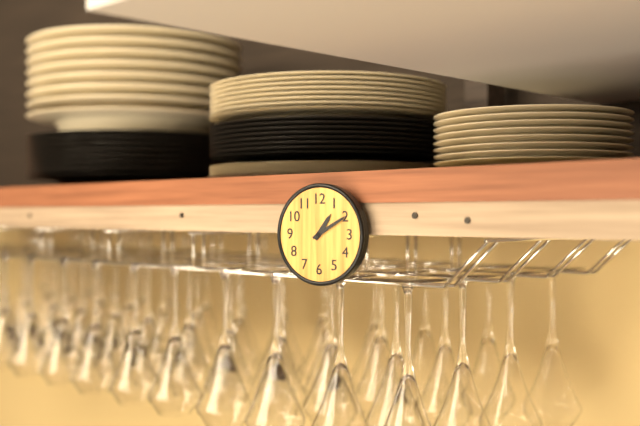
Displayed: 1 h 10 min
